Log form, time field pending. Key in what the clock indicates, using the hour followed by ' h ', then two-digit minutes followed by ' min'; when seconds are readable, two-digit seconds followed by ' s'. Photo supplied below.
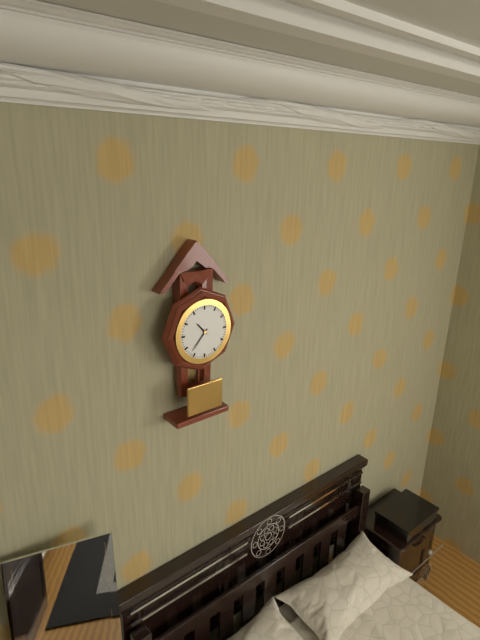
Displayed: 10 h 37 min
